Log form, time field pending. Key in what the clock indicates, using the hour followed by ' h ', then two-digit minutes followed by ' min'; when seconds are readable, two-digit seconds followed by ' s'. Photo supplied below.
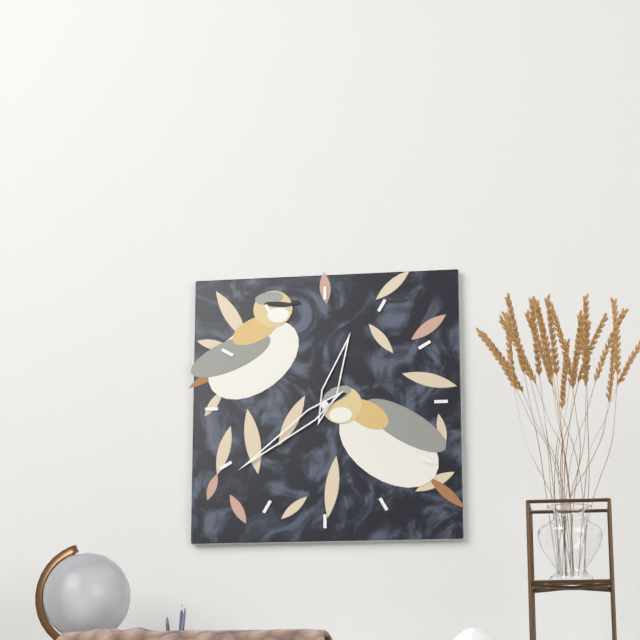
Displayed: 12 h 39 min
